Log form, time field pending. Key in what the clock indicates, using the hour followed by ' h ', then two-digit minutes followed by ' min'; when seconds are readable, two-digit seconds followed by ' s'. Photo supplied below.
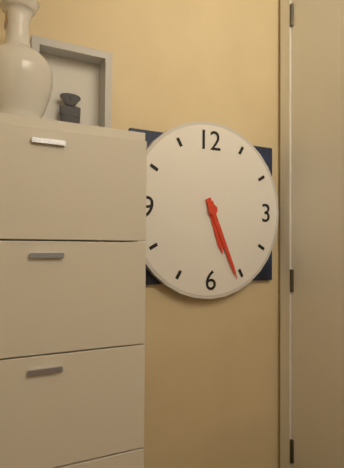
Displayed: 5 h 26 min
